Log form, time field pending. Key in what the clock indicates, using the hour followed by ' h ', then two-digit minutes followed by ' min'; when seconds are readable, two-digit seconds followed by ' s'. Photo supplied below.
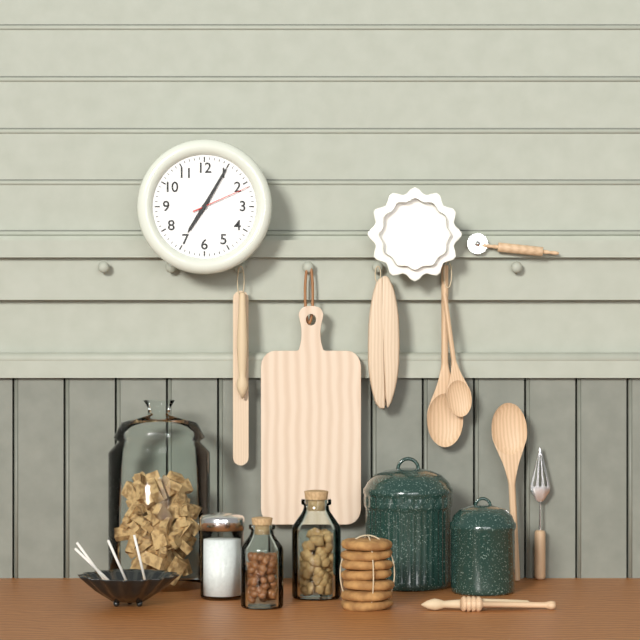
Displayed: 7 h 05 min 11 s
